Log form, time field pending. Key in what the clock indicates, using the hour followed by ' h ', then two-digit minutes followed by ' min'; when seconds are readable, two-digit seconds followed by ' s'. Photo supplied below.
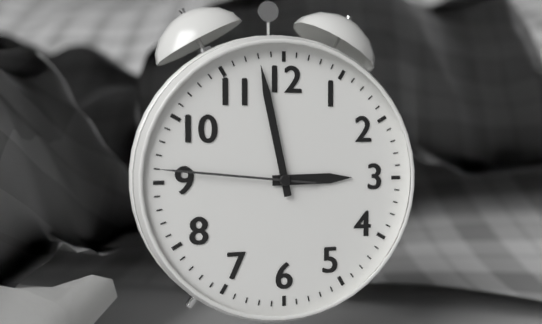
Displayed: 2 h 58 min 46 s
